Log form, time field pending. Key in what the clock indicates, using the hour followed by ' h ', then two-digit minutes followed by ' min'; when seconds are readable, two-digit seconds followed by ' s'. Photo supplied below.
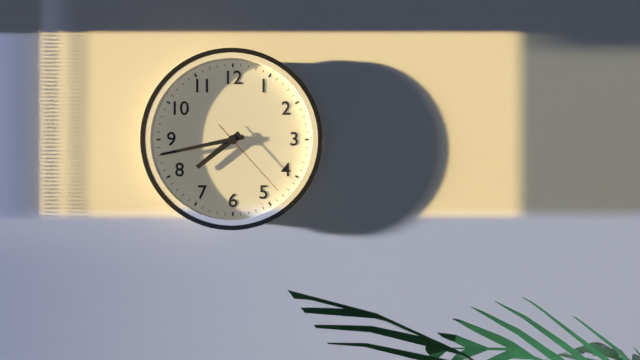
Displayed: 7 h 43 min 23 s
